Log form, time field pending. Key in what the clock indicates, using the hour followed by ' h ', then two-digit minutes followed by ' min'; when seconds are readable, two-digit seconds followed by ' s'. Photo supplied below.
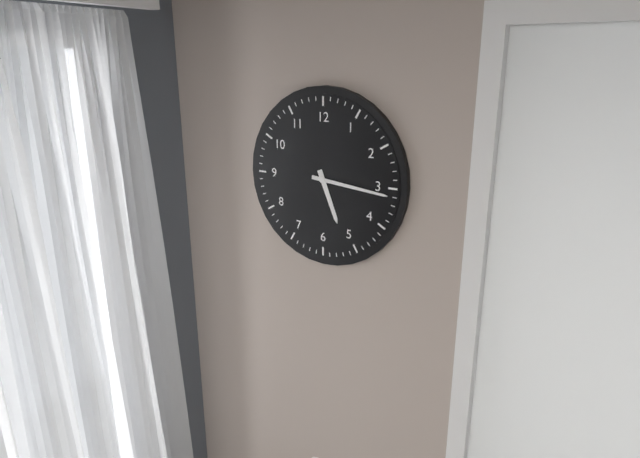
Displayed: 5 h 16 min
